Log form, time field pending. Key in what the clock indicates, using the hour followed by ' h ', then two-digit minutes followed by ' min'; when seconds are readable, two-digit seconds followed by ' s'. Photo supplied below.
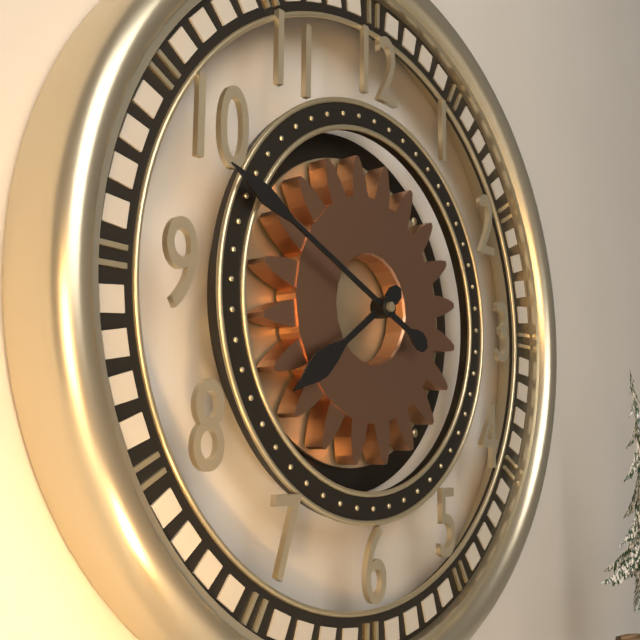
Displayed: 7 h 49 min
